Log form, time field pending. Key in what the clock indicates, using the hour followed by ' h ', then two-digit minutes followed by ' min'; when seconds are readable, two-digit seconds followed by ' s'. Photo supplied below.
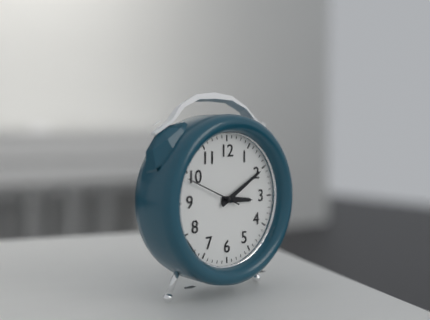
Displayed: 3 h 10 min
